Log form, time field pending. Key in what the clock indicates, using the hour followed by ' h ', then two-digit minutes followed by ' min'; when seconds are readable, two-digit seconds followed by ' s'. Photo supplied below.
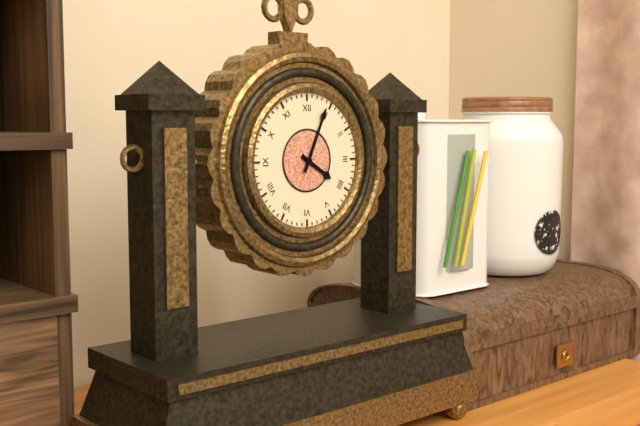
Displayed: 4 h 04 min
